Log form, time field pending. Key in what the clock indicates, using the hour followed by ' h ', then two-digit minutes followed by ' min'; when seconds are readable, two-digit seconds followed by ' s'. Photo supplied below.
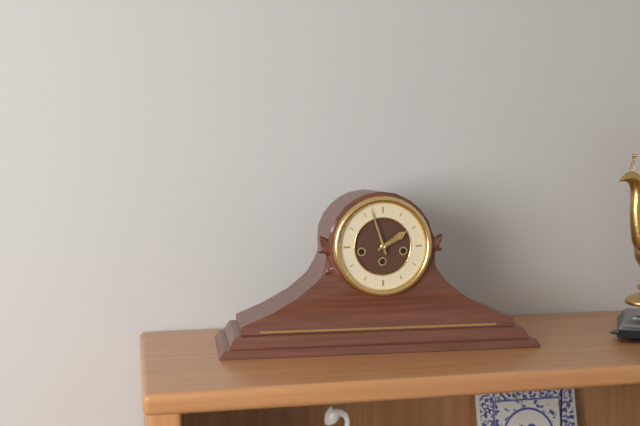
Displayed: 1 h 57 min
